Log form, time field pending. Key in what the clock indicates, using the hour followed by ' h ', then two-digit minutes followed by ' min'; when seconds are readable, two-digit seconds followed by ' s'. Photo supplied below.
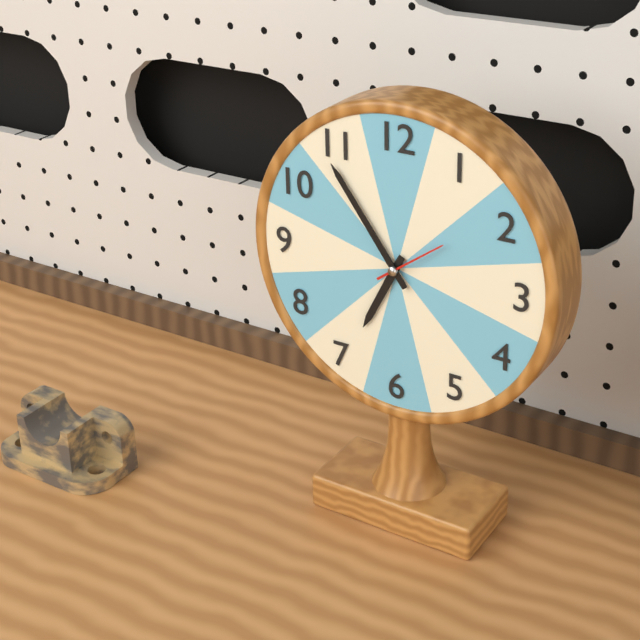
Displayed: 6 h 54 min 09 s
